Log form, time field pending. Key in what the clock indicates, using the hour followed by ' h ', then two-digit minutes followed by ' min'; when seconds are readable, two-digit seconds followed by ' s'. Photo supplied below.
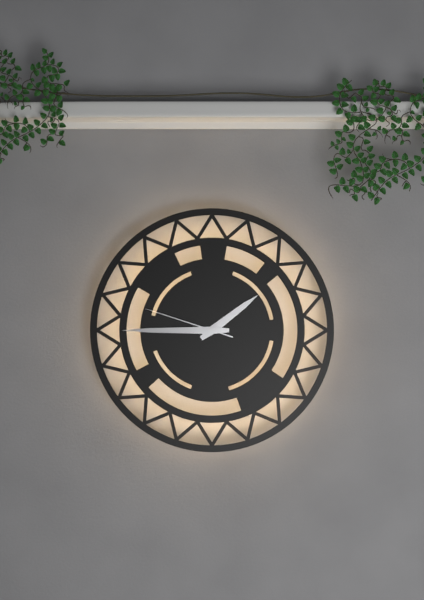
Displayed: 1 h 45 min 48 s
